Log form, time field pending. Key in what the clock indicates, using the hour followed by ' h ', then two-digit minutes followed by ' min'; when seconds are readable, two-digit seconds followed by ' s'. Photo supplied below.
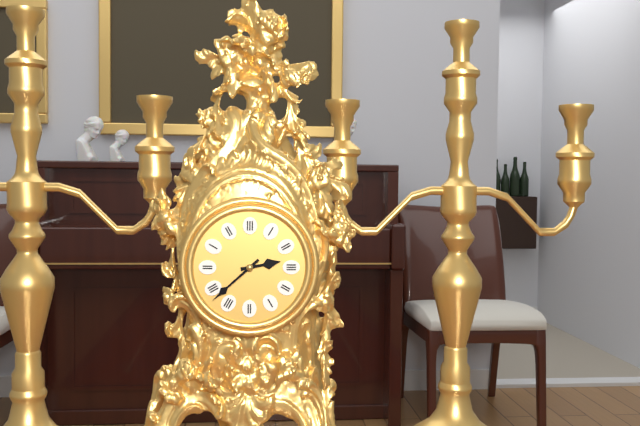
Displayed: 2 h 38 min
